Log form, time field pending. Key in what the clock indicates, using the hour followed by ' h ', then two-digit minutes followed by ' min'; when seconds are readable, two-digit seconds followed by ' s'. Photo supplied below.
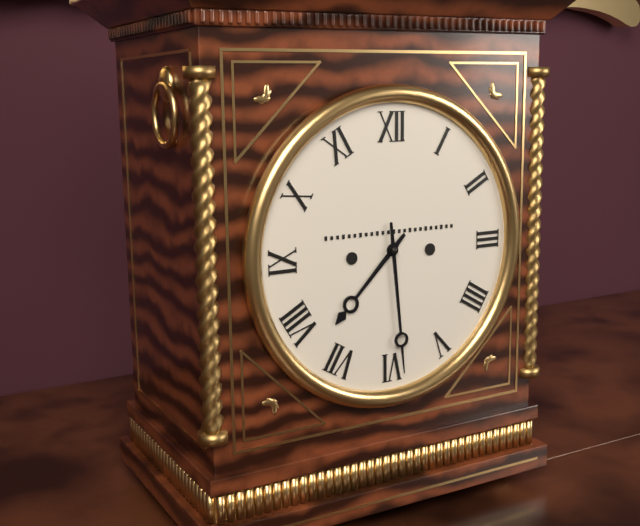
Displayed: 7 h 29 min
